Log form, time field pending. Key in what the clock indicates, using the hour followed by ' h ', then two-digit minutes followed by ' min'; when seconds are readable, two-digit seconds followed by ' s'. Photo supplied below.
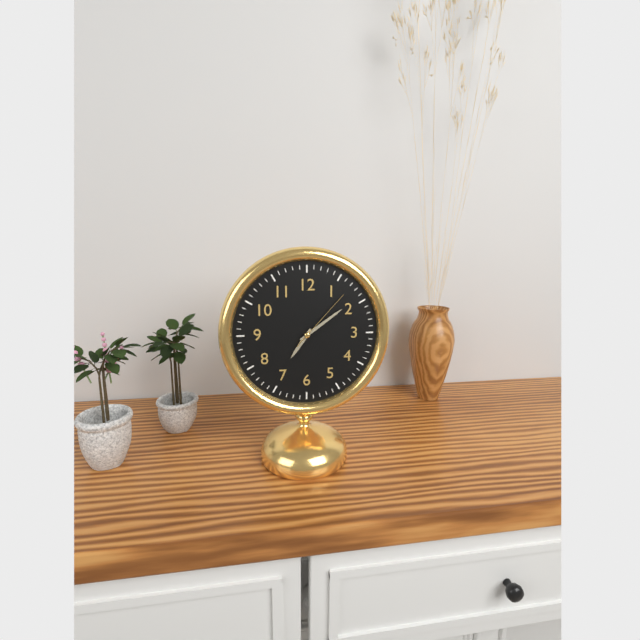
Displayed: 7 h 09 min 07 s
